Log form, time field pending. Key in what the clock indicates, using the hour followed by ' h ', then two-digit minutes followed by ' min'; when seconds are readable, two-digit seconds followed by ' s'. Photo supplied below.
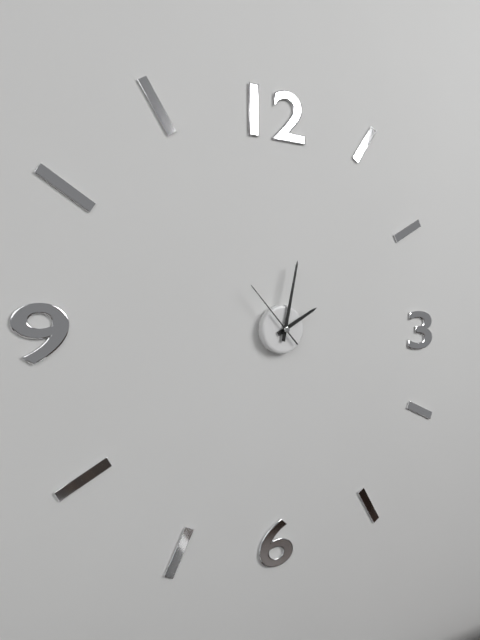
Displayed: 2 h 02 min 53 s
